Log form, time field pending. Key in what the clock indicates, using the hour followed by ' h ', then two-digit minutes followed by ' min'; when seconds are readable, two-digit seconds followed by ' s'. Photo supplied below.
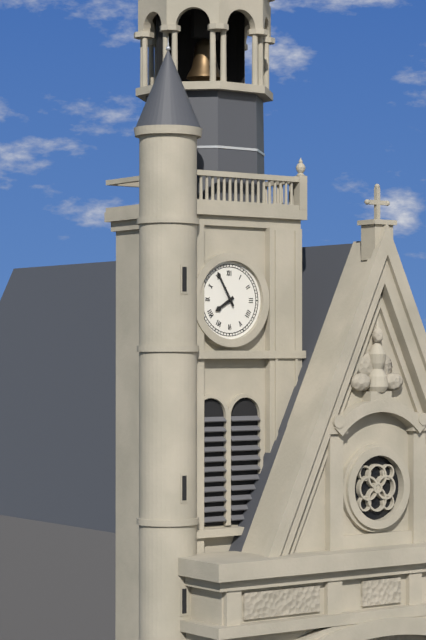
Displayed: 7 h 55 min
